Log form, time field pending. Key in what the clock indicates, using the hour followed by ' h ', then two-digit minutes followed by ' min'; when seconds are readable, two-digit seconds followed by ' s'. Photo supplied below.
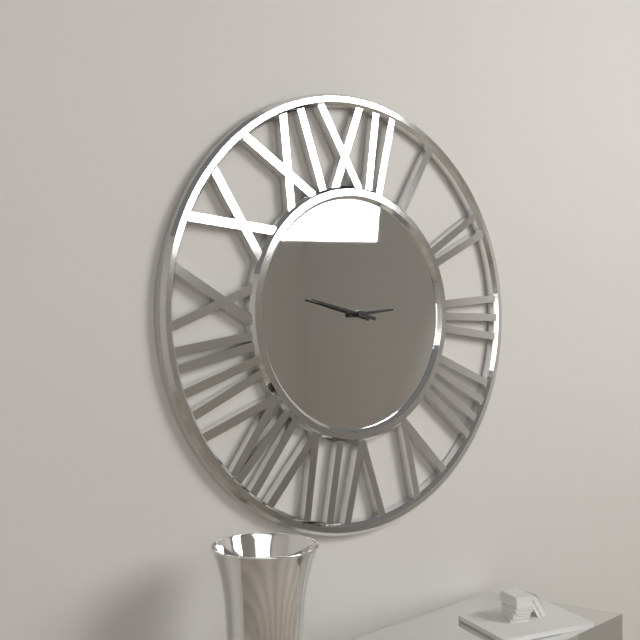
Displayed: 2 h 47 min
